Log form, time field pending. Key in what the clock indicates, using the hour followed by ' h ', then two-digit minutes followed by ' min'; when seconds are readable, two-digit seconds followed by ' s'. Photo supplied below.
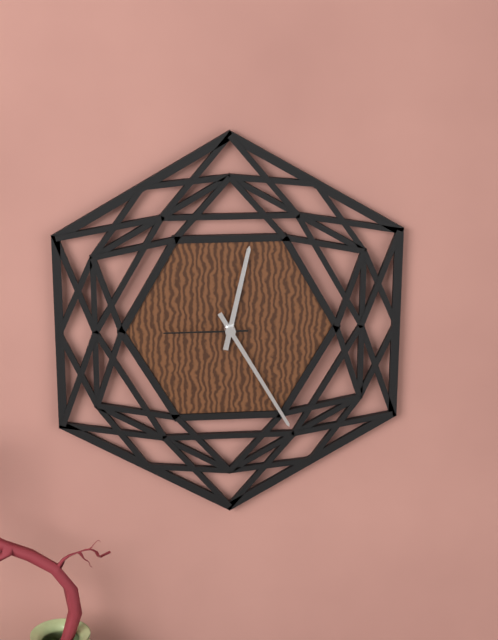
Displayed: 12 h 25 min 45 s
